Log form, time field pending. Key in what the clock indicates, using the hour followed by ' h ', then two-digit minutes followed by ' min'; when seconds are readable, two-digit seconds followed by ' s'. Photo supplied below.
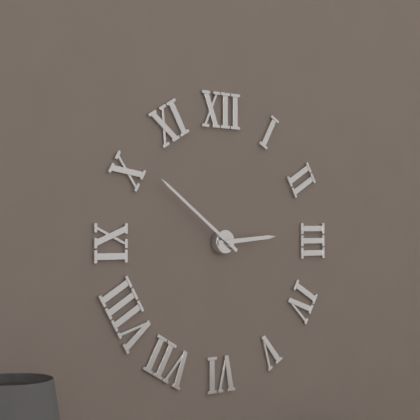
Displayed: 2 h 51 min
